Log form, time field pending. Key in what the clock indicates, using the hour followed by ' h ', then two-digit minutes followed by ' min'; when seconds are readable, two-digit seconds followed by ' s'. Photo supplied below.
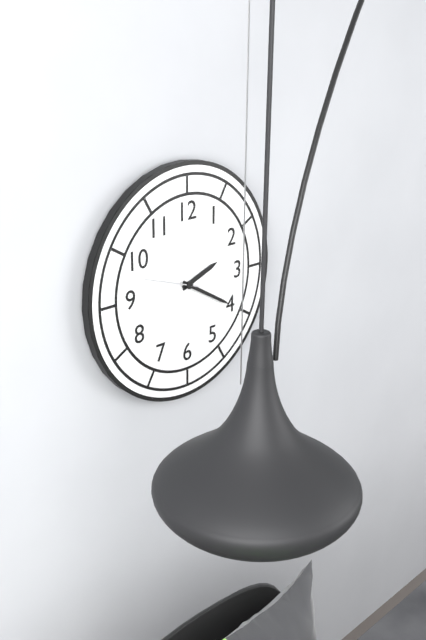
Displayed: 2 h 20 min 48 s
